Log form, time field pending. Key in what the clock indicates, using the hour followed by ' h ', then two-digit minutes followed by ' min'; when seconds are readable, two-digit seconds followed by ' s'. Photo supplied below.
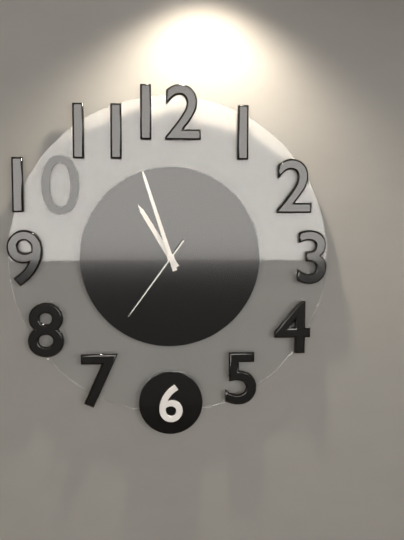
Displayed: 10 h 57 min 36 s
